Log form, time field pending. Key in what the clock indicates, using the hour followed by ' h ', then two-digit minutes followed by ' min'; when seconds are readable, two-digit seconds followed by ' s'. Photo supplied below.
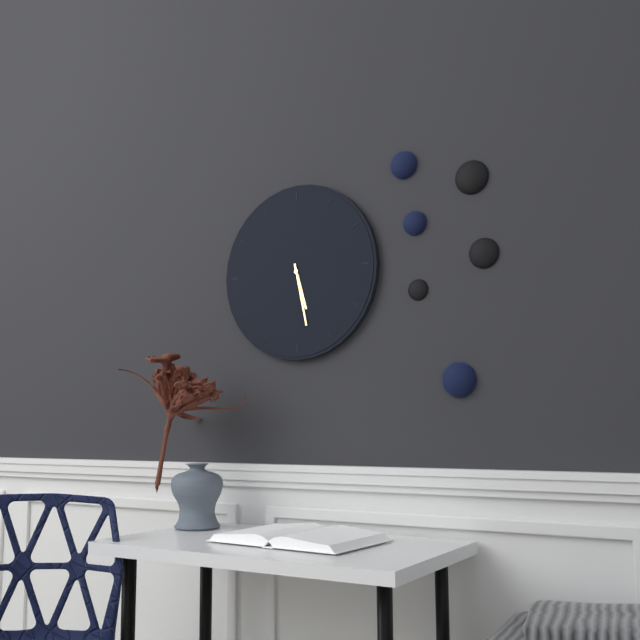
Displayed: 5 h 28 min
